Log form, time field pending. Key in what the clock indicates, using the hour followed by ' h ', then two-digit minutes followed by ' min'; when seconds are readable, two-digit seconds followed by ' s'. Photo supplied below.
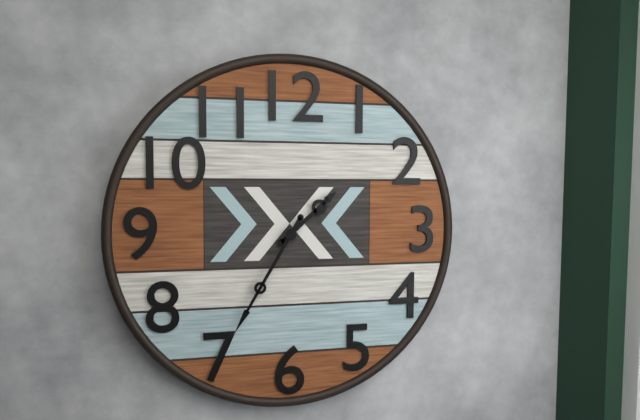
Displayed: 1 h 35 min
